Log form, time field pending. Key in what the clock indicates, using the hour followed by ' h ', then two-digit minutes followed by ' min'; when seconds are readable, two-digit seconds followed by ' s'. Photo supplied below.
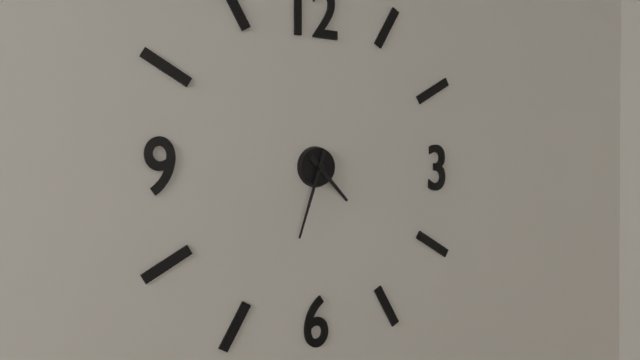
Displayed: 4 h 33 min
